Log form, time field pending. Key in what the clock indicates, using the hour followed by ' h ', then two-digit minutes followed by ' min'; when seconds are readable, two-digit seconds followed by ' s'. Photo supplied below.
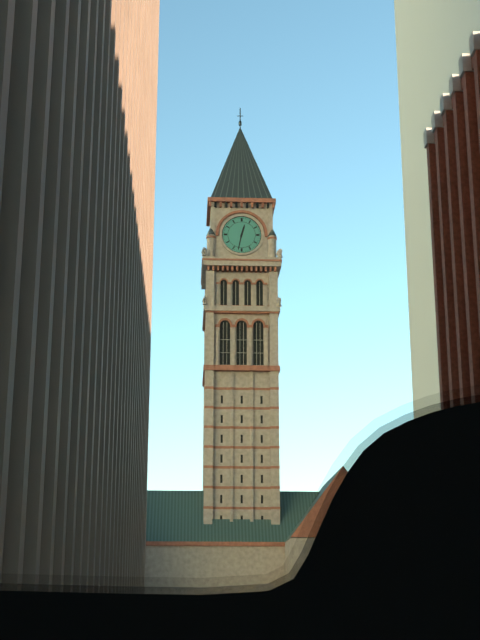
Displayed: 12 h 32 min
